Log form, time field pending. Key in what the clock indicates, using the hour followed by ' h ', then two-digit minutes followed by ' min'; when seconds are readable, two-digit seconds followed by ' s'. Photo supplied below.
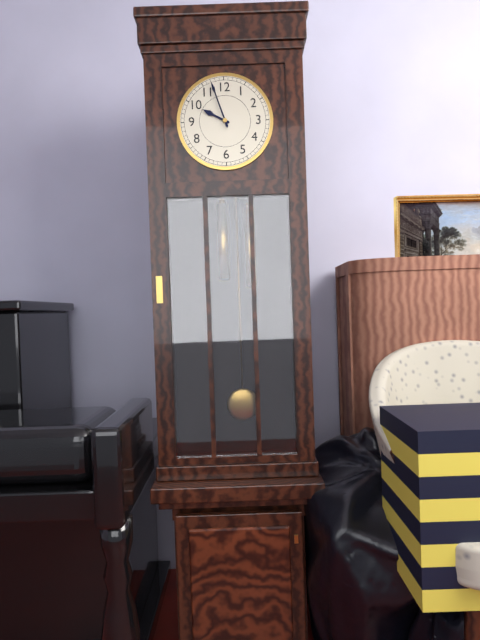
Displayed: 9 h 57 min
